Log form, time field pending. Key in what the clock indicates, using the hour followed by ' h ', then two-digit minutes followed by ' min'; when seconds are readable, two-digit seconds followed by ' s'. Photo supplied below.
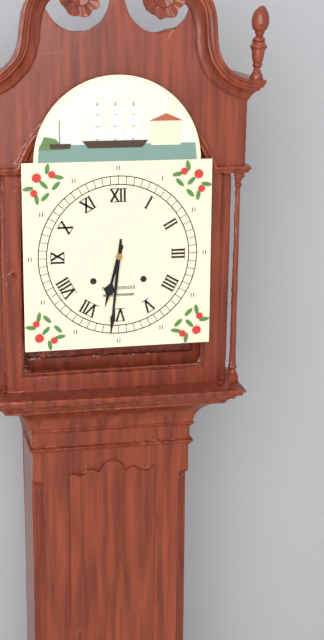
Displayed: 6 h 31 min
